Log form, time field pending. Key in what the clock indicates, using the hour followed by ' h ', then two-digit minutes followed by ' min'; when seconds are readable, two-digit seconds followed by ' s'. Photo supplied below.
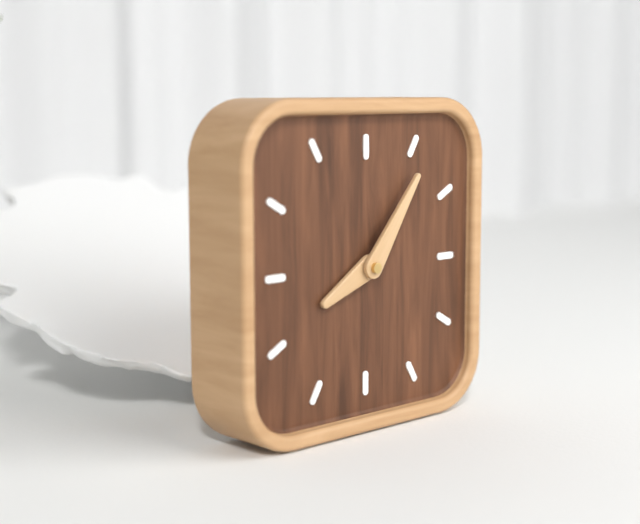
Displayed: 8 h 06 min
